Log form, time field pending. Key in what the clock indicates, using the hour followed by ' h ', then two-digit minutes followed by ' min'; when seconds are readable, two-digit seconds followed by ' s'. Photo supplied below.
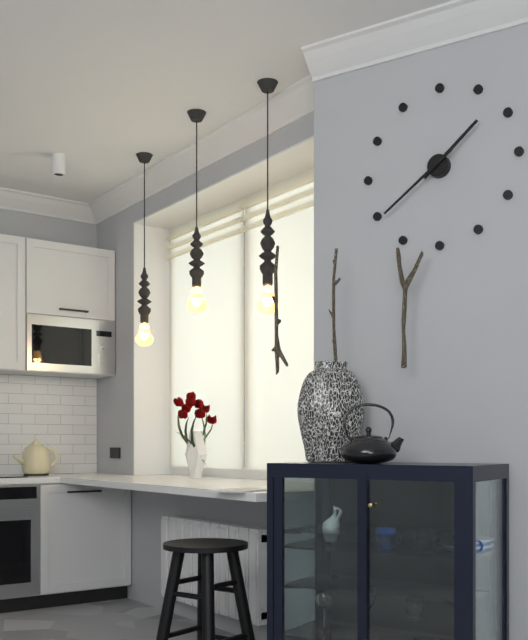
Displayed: 1 h 39 min
